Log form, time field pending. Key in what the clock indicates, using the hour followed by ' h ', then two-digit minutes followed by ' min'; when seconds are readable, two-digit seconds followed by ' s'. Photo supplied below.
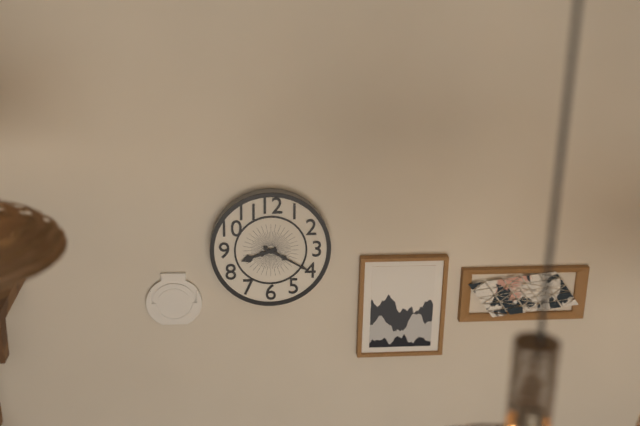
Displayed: 8 h 20 min
